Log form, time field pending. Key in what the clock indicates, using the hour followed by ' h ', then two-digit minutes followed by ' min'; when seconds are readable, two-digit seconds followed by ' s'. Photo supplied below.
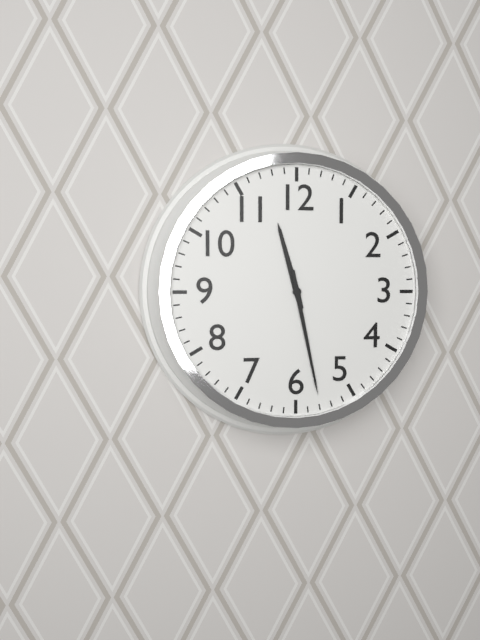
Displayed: 11 h 28 min
